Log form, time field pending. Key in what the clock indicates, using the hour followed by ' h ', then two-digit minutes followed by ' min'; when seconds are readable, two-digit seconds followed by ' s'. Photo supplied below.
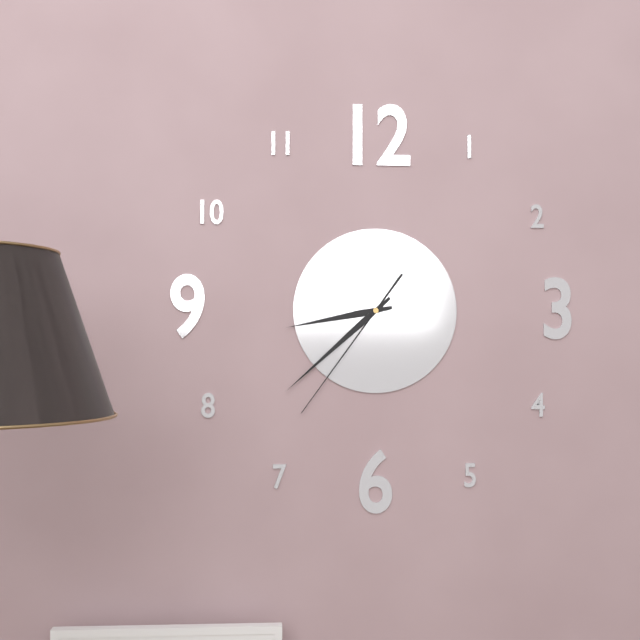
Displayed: 8 h 38 min 36 s
